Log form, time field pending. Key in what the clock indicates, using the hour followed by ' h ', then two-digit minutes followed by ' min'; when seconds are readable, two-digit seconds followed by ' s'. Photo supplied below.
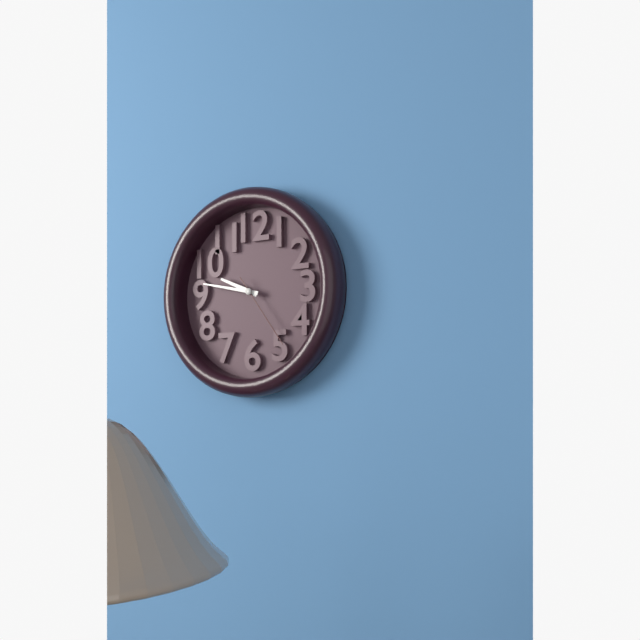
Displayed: 9 h 47 min 24 s
